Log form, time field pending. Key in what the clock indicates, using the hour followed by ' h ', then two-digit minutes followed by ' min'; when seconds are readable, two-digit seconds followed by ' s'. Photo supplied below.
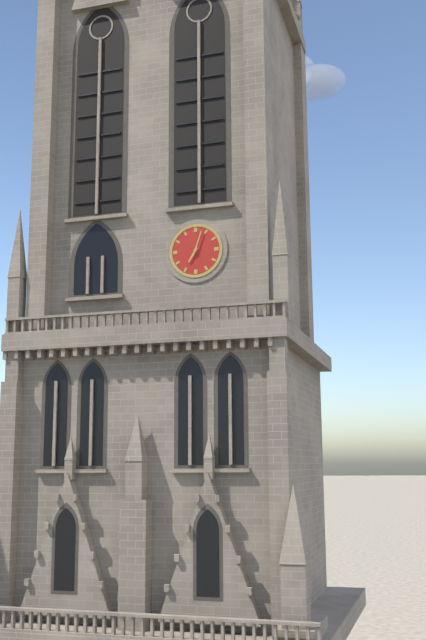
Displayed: 7 h 03 min
